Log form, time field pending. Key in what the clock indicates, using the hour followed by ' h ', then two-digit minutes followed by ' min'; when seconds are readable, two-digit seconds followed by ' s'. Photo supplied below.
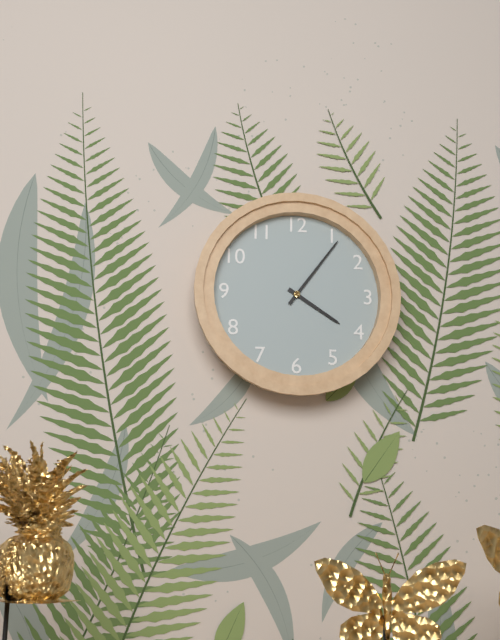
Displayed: 4 h 06 min
